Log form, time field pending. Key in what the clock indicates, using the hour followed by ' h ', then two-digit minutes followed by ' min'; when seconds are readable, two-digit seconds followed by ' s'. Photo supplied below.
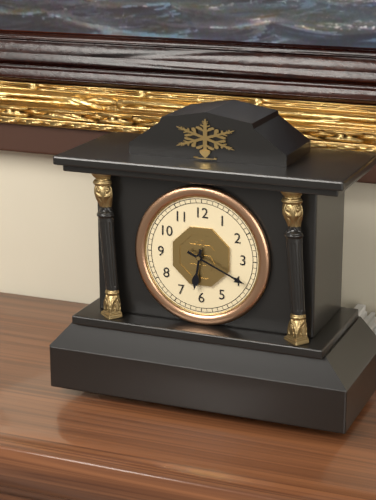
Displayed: 6 h 19 min
